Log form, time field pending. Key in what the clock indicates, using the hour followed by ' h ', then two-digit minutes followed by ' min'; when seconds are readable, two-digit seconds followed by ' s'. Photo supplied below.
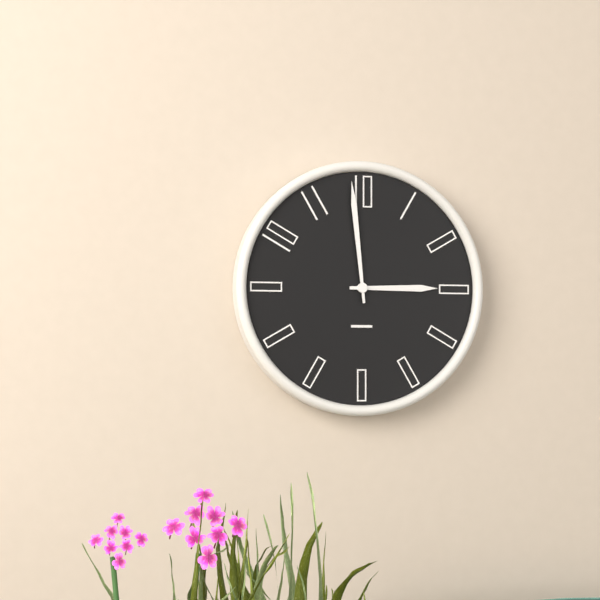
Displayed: 2 h 59 min
